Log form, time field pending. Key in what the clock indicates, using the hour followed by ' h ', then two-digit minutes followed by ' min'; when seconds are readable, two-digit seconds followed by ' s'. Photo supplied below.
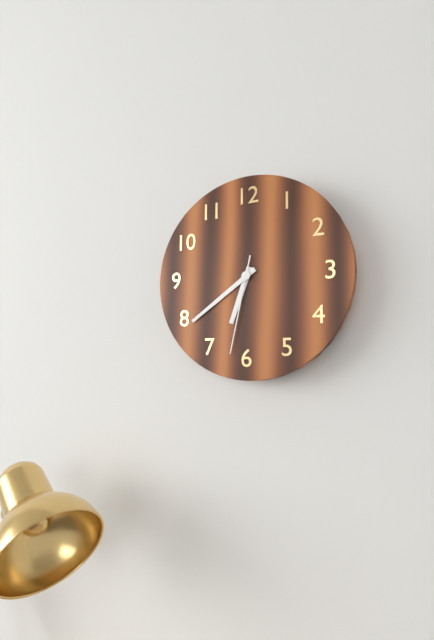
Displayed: 6 h 39 min 32 s
